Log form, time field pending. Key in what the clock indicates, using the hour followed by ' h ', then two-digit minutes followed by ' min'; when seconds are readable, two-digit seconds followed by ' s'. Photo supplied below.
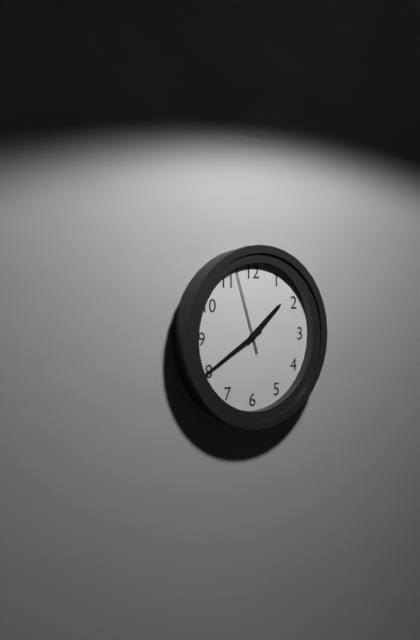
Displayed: 1 h 40 min 57 s
